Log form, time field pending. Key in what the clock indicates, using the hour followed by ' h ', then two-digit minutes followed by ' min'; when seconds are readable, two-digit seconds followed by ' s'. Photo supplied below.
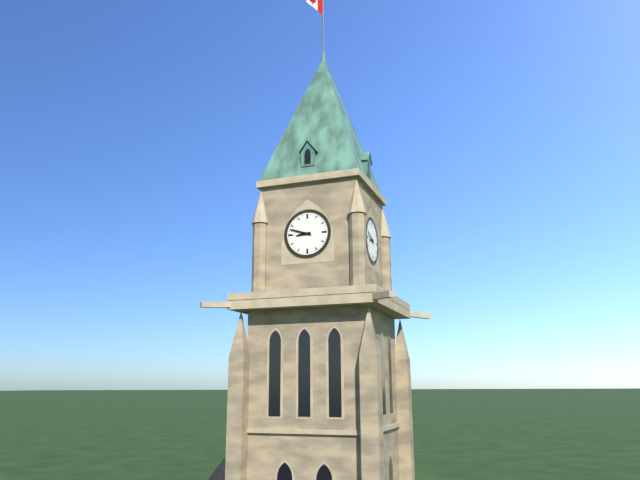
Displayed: 8 h 48 min
